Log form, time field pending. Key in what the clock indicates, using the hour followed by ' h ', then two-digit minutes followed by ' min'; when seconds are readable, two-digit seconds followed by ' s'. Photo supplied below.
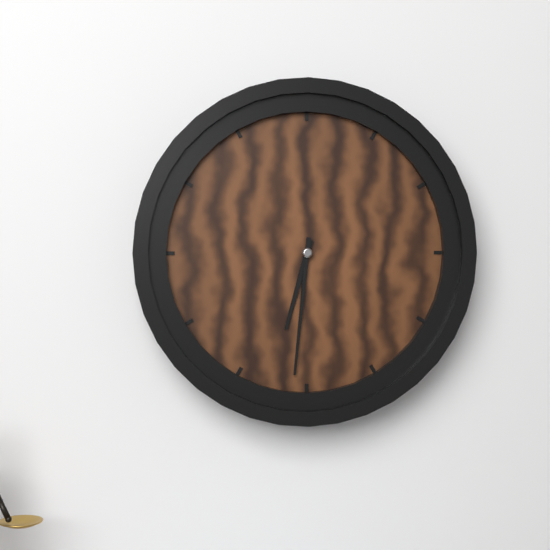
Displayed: 6 h 31 min
